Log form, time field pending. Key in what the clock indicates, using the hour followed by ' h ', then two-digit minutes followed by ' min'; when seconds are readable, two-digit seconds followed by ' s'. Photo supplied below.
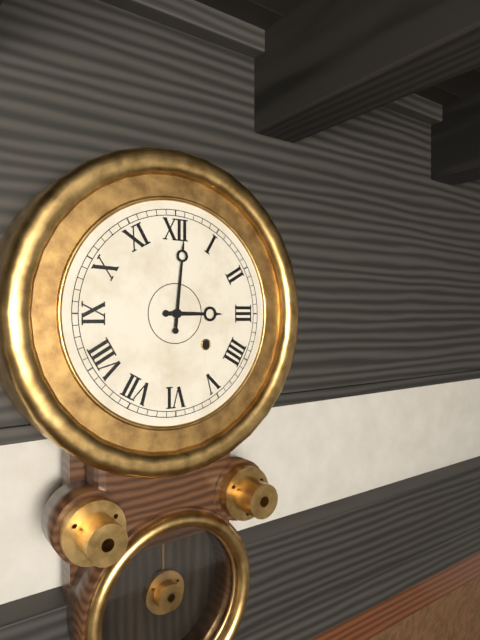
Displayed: 3 h 01 min
